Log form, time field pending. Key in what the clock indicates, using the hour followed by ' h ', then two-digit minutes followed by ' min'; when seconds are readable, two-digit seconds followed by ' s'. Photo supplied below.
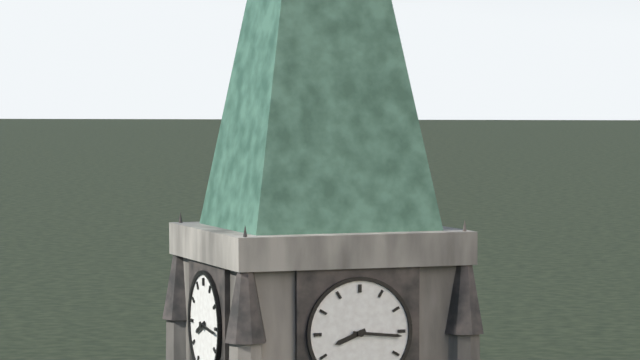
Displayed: 8 h 16 min
